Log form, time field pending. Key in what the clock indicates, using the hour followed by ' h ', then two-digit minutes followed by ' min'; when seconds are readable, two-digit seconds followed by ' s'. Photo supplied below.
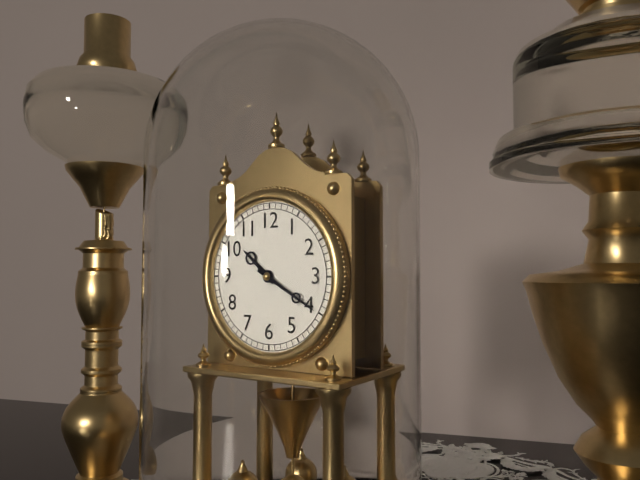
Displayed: 10 h 20 min
